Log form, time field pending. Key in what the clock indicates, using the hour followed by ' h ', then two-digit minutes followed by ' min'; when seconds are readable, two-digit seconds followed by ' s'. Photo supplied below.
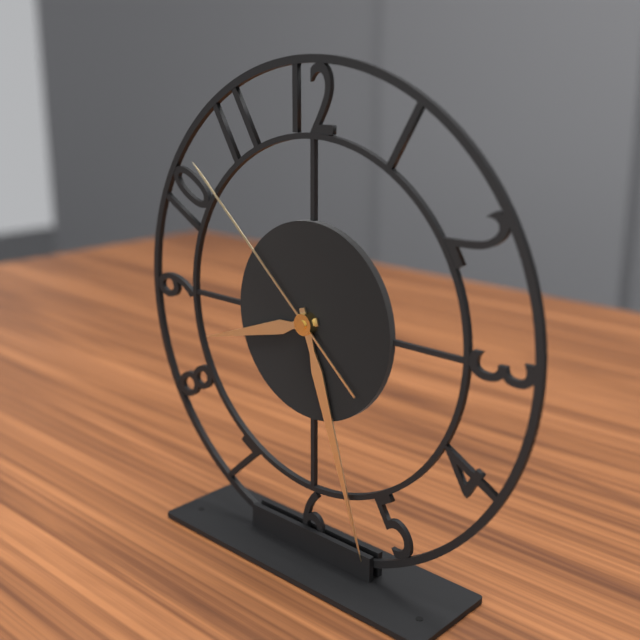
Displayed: 8 h 27 min 52 s
